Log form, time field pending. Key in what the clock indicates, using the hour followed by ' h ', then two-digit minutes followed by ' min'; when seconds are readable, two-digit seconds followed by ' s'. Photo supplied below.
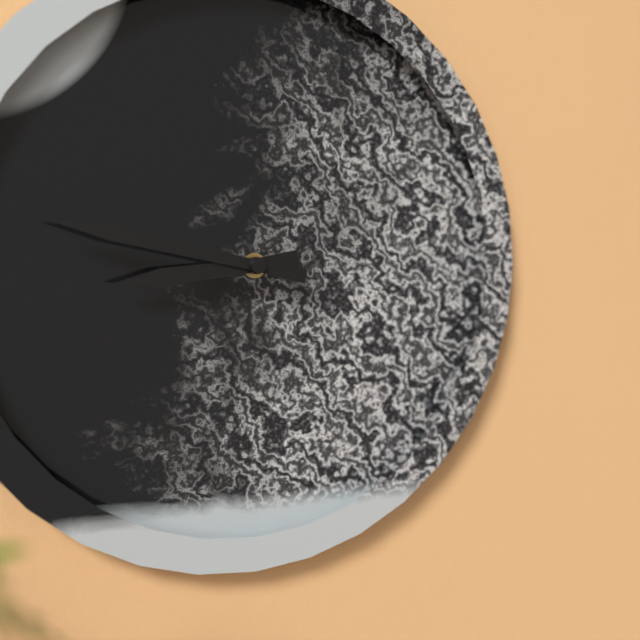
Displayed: 8 h 47 min
